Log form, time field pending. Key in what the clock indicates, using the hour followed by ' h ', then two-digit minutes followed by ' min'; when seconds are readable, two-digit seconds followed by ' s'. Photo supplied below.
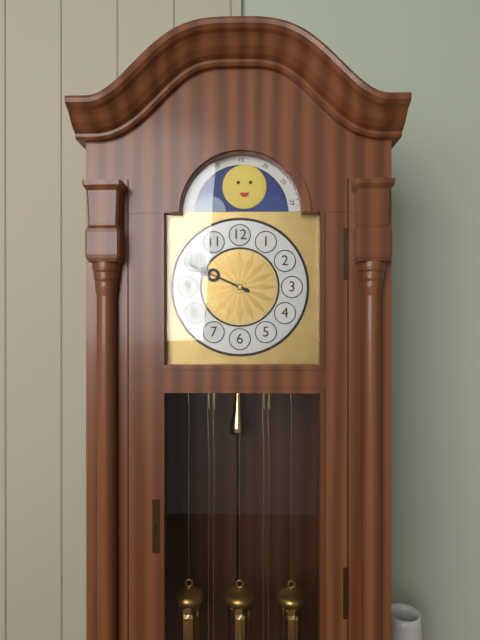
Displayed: 9 h 49 min
